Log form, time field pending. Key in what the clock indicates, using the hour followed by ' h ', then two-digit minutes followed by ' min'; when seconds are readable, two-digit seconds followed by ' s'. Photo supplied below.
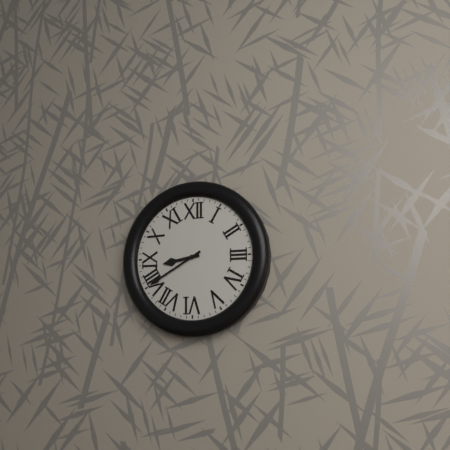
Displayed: 8 h 40 min
